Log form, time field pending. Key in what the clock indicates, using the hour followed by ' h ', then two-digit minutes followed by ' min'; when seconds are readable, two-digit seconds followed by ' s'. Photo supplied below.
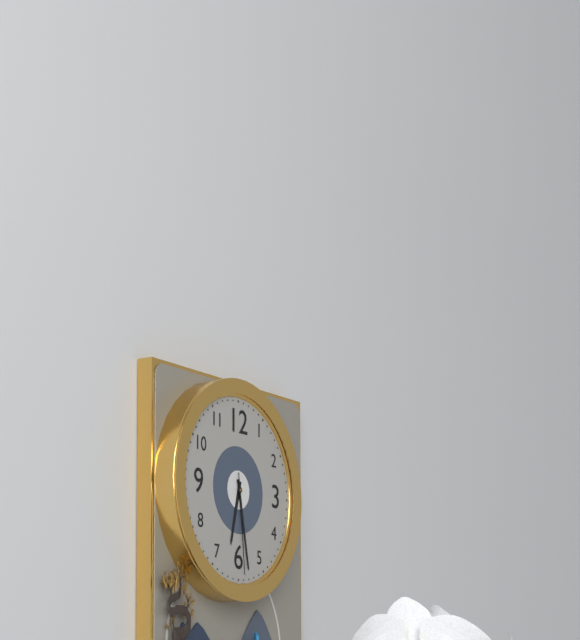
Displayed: 6 h 28 min 29 s
